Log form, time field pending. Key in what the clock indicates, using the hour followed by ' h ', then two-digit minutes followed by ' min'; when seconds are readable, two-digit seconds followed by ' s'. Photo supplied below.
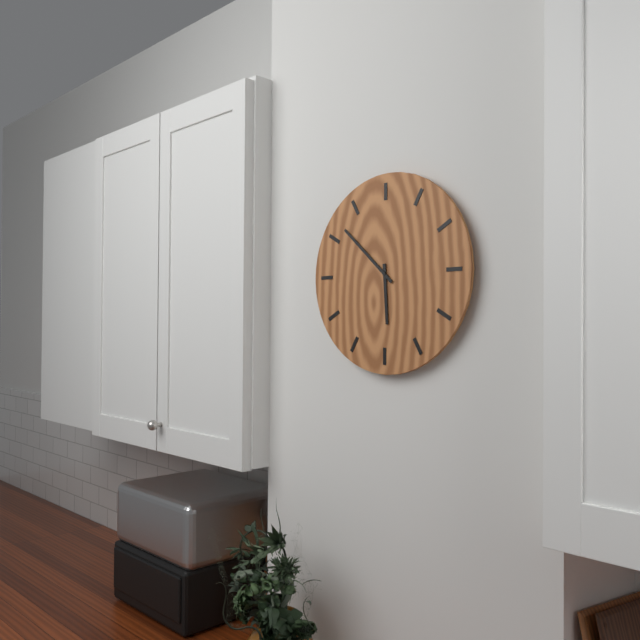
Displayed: 5 h 52 min
